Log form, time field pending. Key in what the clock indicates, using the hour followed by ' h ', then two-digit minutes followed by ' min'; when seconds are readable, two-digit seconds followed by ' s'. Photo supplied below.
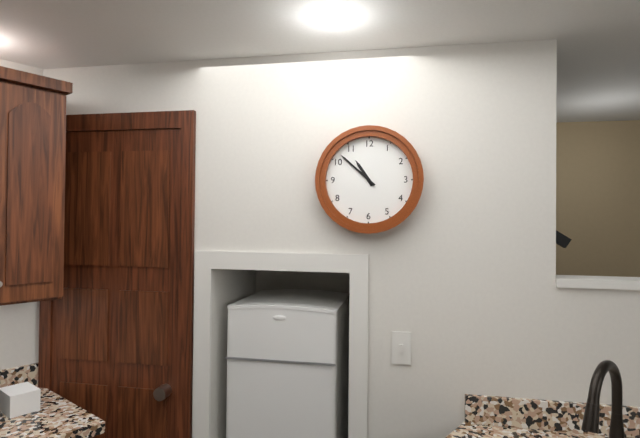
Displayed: 10 h 52 min
